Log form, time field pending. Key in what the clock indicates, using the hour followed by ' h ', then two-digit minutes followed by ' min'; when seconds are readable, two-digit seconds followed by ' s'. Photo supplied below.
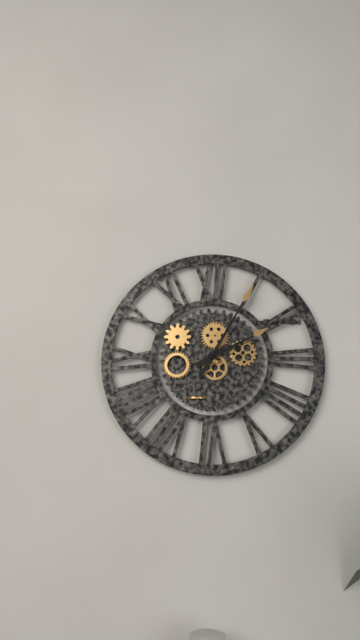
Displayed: 2 h 05 min
